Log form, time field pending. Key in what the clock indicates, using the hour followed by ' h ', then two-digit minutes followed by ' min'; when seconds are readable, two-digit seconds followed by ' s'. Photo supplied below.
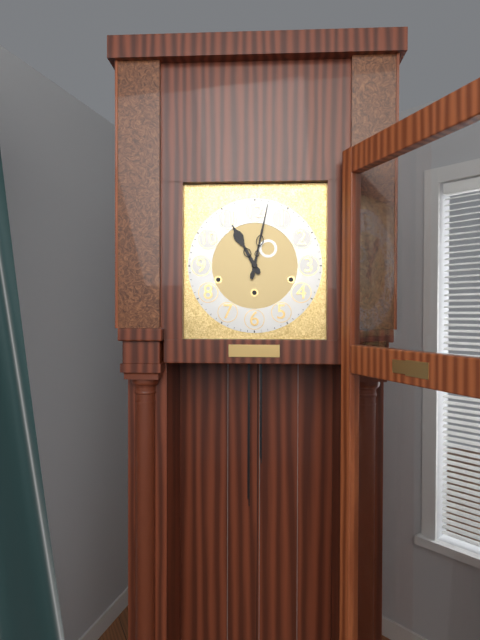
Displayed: 11 h 02 min
